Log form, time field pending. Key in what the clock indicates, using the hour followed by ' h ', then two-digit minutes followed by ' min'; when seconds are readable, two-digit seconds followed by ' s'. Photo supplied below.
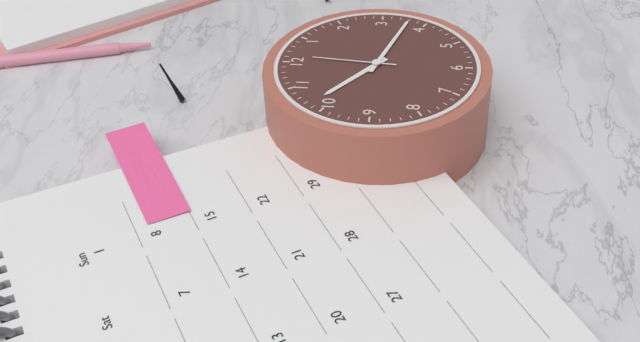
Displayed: 10 h 18 min 01 s
